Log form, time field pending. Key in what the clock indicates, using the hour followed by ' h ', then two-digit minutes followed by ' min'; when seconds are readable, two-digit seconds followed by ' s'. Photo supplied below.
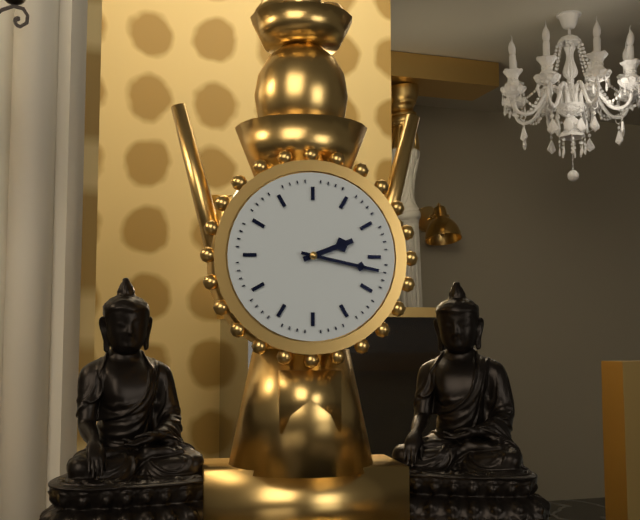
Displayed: 2 h 17 min
